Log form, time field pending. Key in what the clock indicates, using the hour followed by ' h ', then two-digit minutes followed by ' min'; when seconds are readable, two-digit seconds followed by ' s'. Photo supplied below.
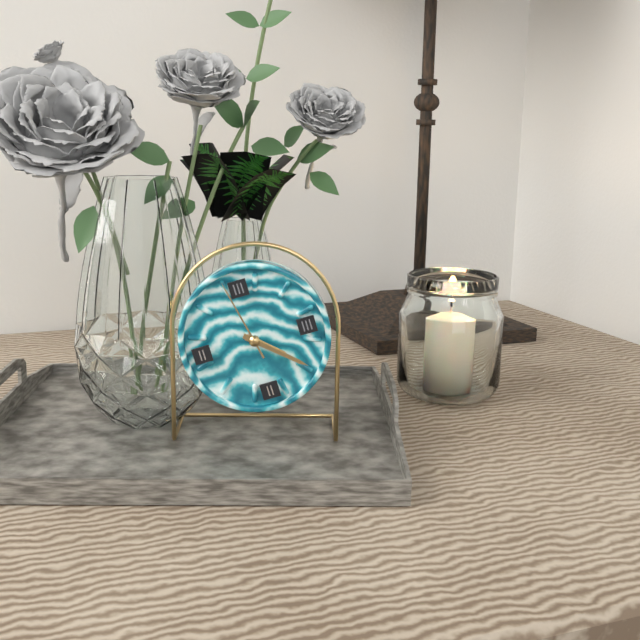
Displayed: 4 h 22 min 58 s
